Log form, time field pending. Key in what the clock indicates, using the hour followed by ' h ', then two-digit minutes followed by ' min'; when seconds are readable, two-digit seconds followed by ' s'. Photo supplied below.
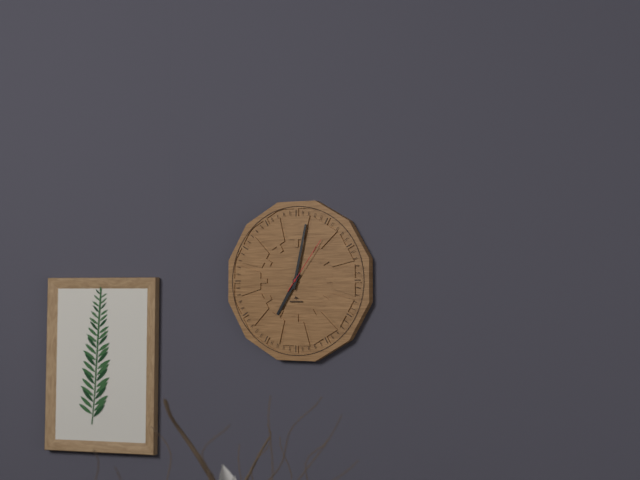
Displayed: 7 h 02 min 06 s
